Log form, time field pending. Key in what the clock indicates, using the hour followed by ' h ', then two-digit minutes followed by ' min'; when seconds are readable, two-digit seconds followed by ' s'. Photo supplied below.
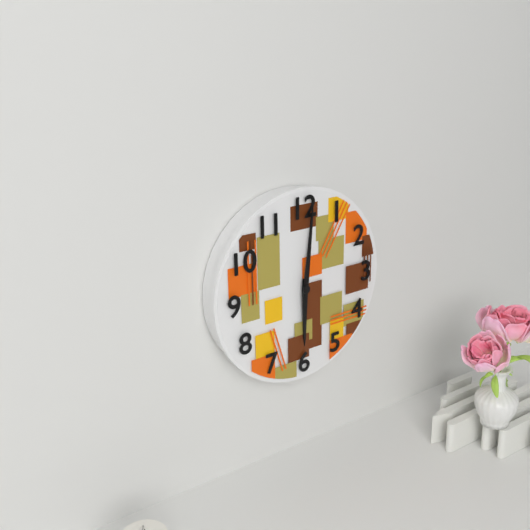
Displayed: 6 h 01 min
